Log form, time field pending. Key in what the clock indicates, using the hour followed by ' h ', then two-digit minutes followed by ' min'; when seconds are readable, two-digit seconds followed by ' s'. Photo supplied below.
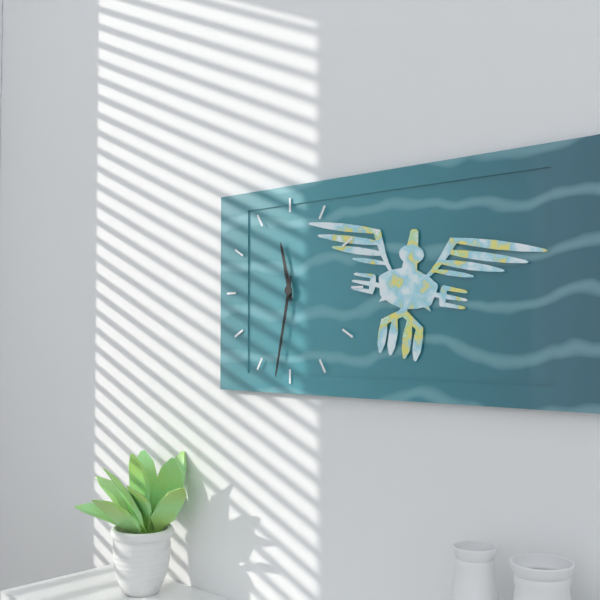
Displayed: 11 h 32 min
